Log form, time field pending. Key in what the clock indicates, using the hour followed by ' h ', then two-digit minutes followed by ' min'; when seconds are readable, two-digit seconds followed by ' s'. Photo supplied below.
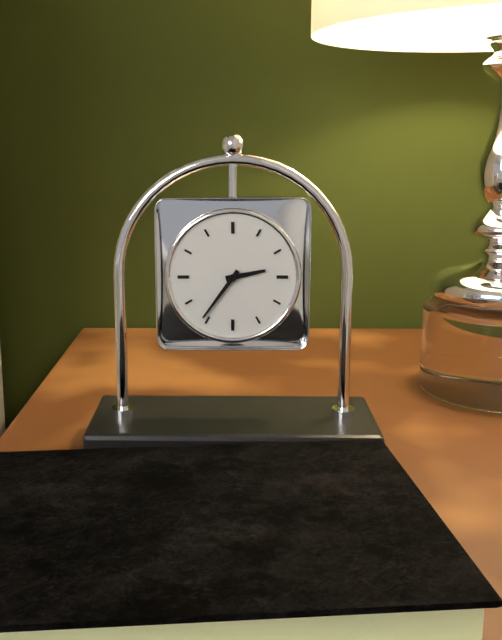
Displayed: 2 h 36 min
